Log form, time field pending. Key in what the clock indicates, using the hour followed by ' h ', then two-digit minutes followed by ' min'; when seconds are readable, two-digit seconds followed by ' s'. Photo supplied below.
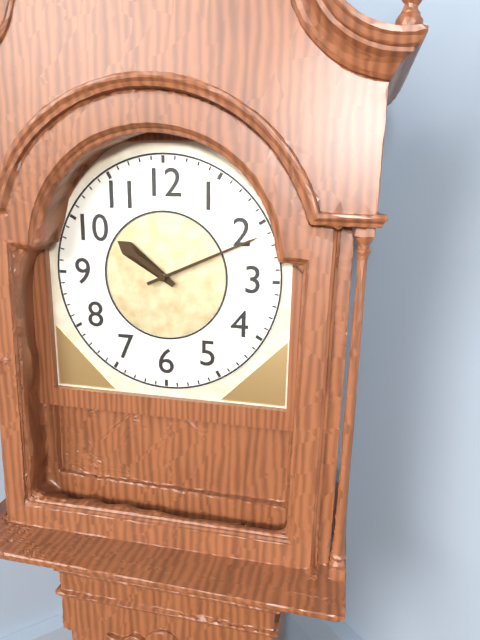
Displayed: 10 h 11 min
